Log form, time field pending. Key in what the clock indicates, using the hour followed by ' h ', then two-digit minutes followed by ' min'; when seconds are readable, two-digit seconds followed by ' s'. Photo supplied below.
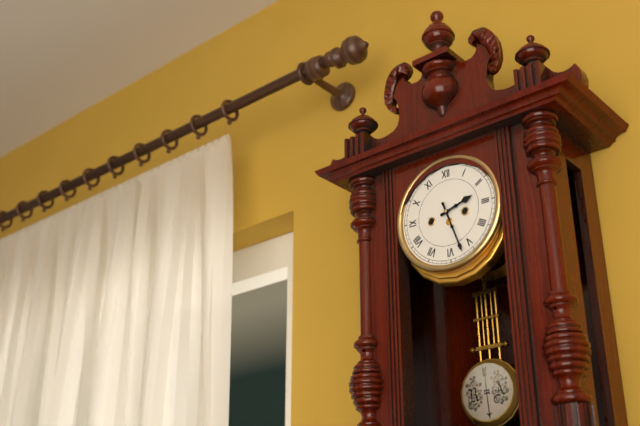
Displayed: 2 h 27 min
